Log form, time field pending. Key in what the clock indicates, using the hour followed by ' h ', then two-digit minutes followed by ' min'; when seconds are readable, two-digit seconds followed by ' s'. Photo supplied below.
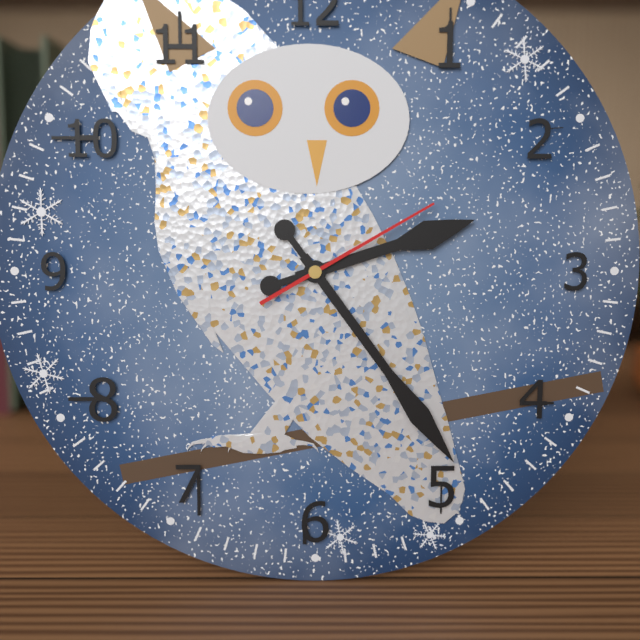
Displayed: 2 h 24 min 10 s
